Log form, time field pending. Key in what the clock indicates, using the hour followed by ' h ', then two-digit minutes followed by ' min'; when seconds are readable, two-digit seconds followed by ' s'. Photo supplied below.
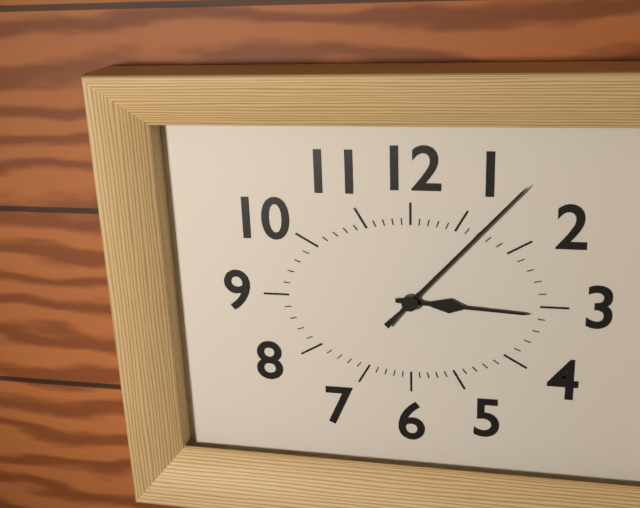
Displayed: 3 h 07 min
